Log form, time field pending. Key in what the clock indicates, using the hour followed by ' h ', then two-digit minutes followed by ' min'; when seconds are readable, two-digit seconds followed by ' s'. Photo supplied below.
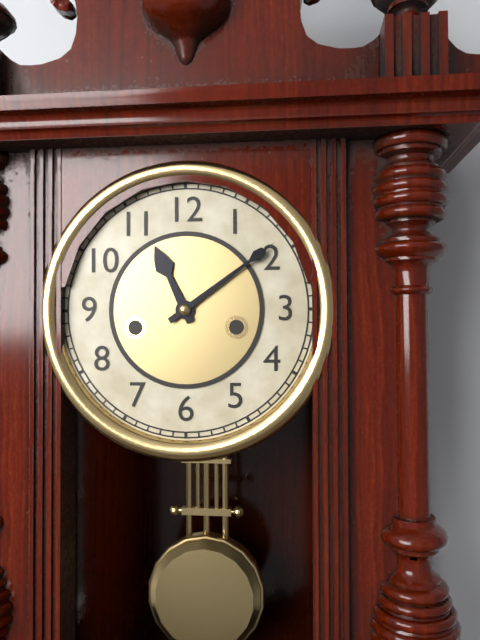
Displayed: 11 h 09 min
